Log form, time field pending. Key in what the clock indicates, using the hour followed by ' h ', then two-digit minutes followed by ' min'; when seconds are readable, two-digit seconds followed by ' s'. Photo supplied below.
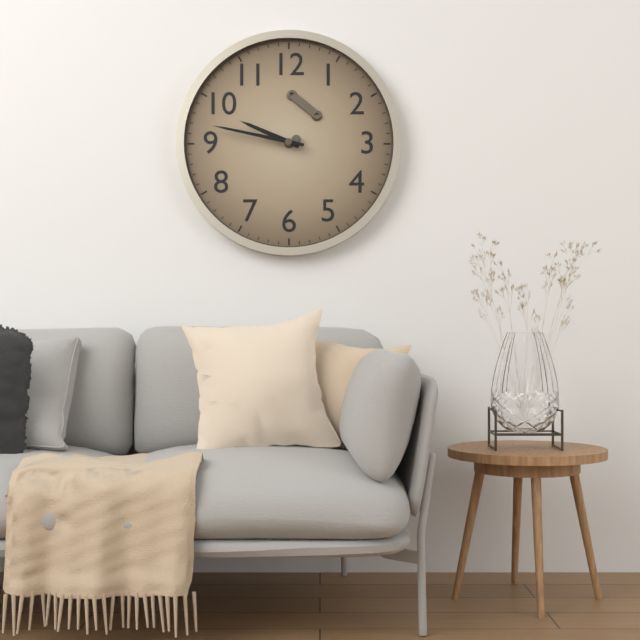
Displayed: 9 h 47 min
